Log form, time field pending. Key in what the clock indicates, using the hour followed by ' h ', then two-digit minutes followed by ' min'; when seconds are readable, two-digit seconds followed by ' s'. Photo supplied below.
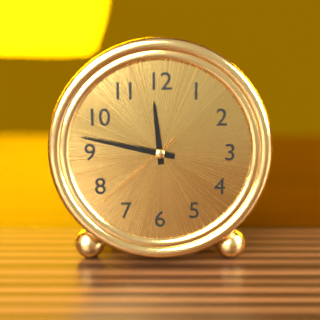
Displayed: 11 h 47 min 38 s
